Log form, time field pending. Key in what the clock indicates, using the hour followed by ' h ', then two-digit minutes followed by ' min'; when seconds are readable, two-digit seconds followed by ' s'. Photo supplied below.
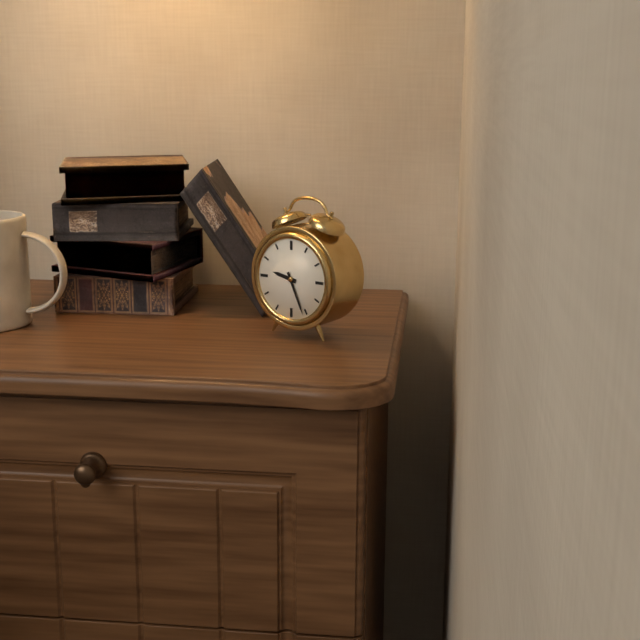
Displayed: 9 h 26 min
